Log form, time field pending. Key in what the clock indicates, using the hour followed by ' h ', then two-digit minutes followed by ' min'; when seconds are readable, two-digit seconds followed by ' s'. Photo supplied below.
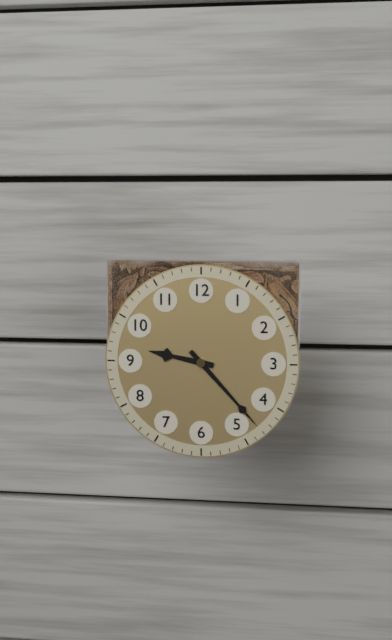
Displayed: 9 h 23 min
